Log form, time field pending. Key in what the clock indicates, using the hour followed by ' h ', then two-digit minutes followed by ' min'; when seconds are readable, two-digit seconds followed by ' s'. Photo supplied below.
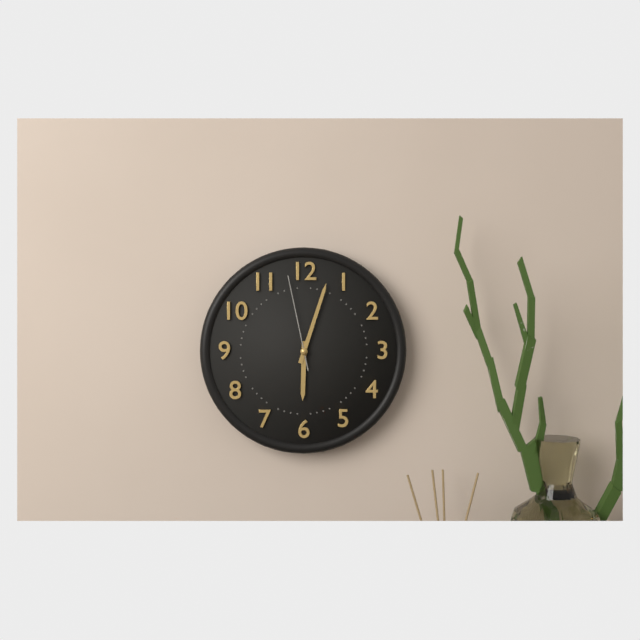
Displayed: 6 h 03 min 58 s
